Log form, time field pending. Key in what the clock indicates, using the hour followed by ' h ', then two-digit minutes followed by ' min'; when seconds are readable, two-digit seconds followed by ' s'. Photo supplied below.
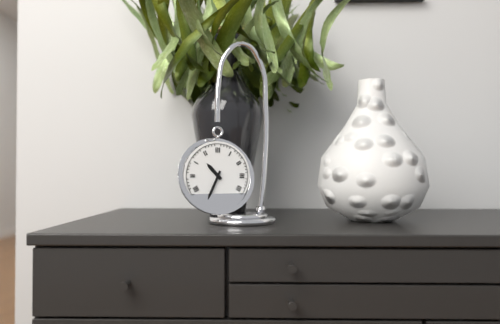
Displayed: 10 h 34 min
